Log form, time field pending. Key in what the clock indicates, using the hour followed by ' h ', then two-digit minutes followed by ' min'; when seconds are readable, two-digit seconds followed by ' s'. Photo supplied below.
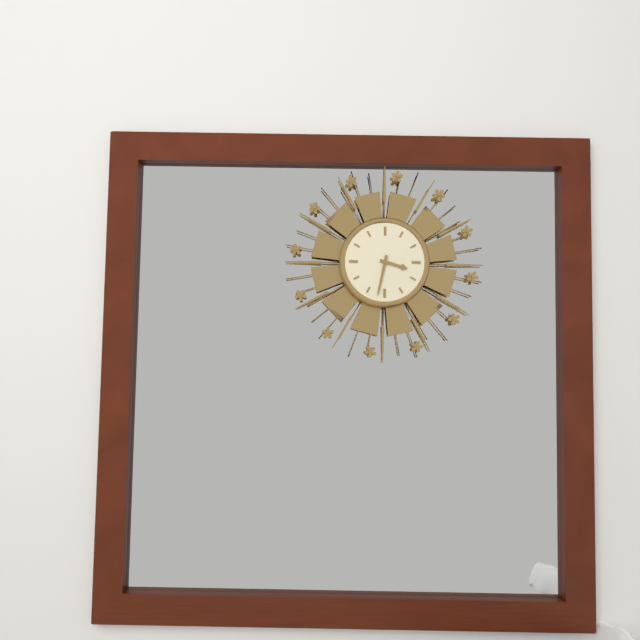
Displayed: 3 h 32 min
